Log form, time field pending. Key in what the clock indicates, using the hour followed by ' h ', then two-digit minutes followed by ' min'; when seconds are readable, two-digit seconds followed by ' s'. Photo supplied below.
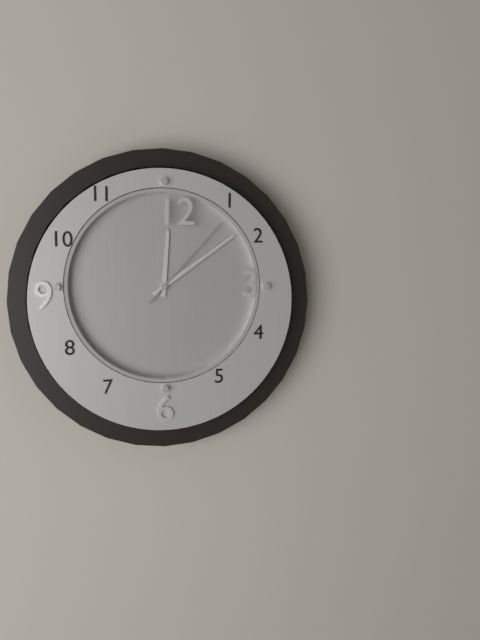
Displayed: 12 h 09 min 07 s
